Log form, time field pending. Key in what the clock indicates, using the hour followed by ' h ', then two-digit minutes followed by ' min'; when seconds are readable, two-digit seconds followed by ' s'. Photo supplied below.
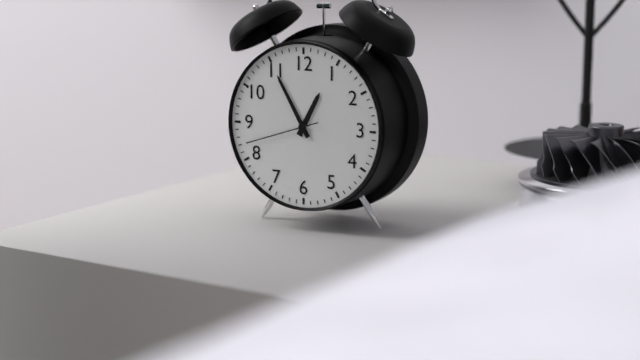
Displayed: 12 h 55 min 42 s
